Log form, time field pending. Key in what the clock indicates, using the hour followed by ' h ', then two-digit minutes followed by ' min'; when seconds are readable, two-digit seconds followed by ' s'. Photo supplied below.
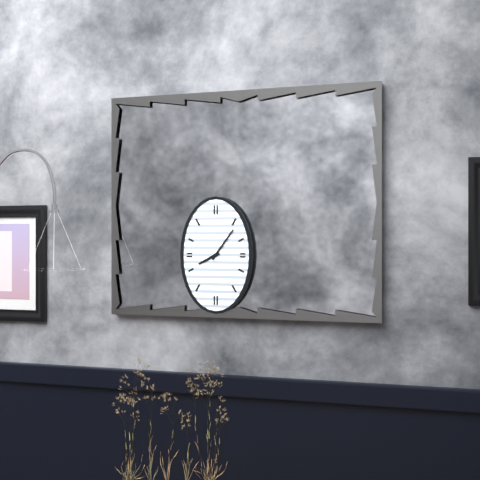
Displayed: 8 h 06 min
